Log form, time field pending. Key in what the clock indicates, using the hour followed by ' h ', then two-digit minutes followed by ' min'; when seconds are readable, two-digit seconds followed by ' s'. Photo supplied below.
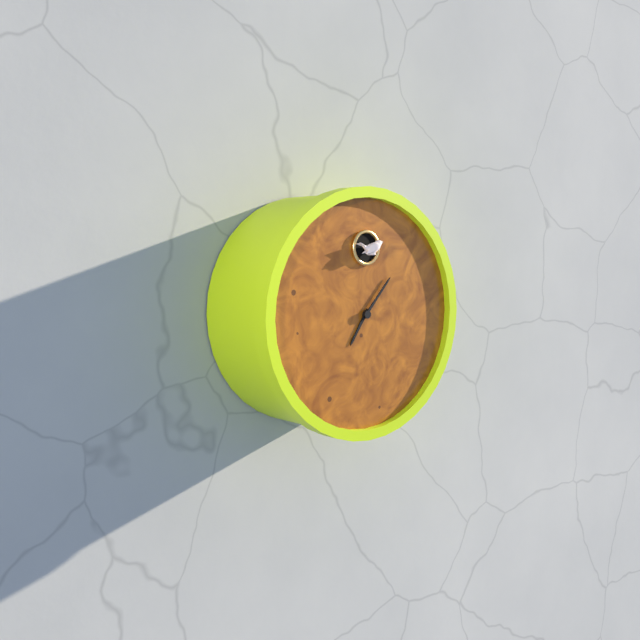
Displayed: 7 h 07 min
